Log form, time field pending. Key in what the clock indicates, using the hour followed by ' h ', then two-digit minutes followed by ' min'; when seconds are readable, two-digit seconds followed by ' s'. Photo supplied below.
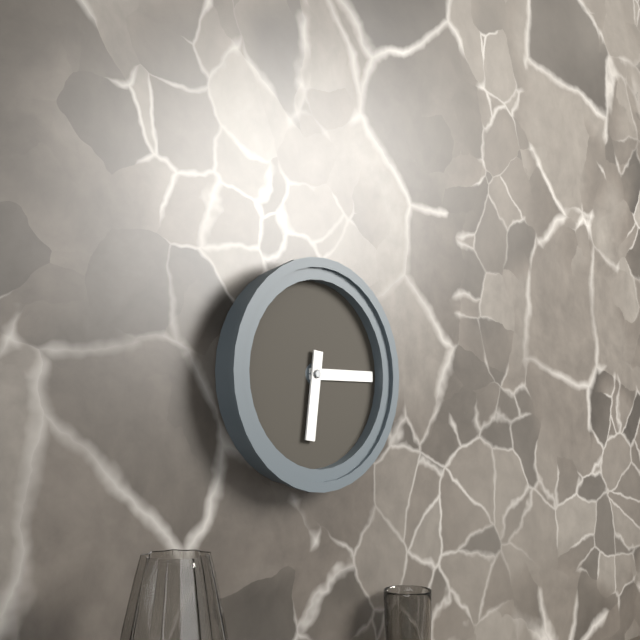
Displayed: 6 h 15 min
